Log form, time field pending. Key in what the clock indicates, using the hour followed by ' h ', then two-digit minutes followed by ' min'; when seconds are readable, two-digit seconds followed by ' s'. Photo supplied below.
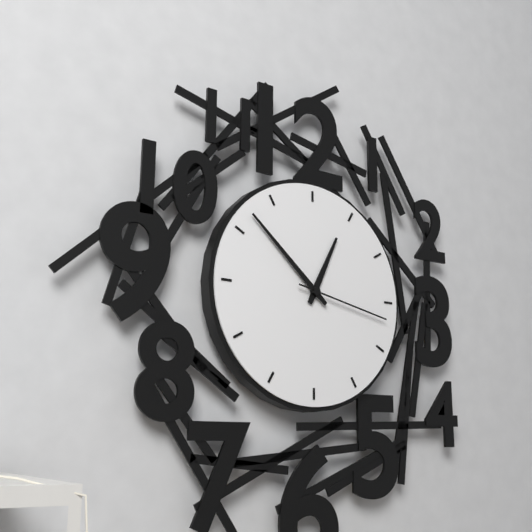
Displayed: 12 h 52 min 17 s
